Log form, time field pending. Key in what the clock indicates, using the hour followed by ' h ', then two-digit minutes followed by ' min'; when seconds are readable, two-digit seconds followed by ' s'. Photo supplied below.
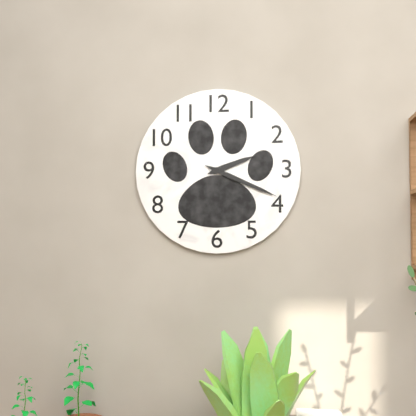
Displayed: 2 h 19 min
